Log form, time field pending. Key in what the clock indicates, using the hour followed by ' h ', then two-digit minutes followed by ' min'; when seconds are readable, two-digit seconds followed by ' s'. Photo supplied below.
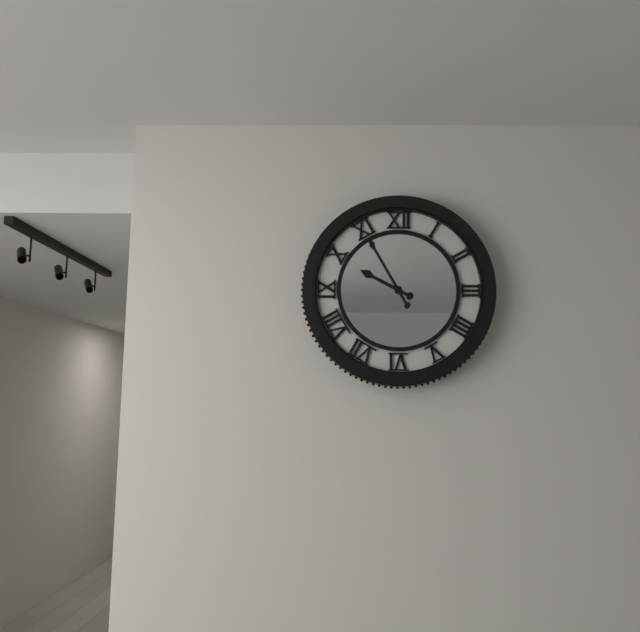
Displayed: 9 h 55 min
